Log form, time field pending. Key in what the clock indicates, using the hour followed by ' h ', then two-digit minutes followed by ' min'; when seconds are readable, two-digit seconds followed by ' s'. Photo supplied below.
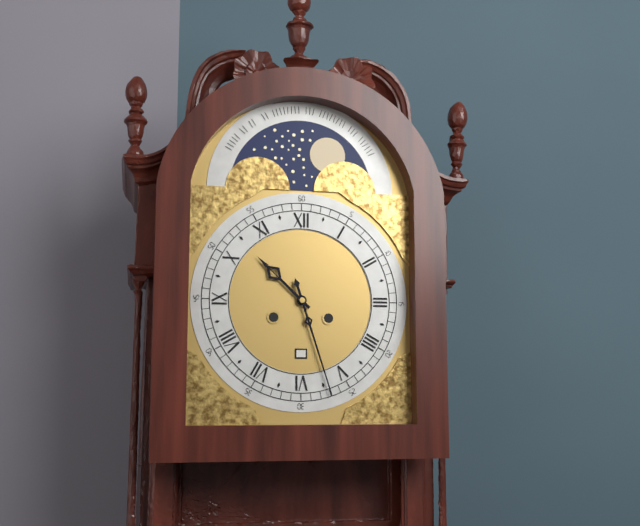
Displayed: 10 h 27 min
